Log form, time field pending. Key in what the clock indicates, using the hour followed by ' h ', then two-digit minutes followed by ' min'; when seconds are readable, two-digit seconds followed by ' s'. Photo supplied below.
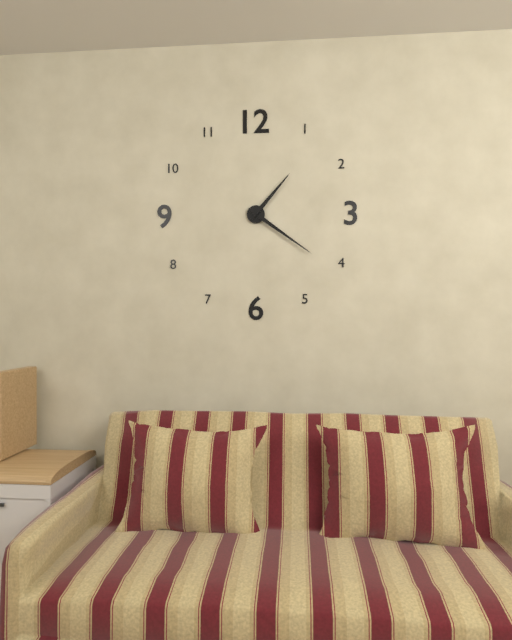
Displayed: 1 h 21 min
